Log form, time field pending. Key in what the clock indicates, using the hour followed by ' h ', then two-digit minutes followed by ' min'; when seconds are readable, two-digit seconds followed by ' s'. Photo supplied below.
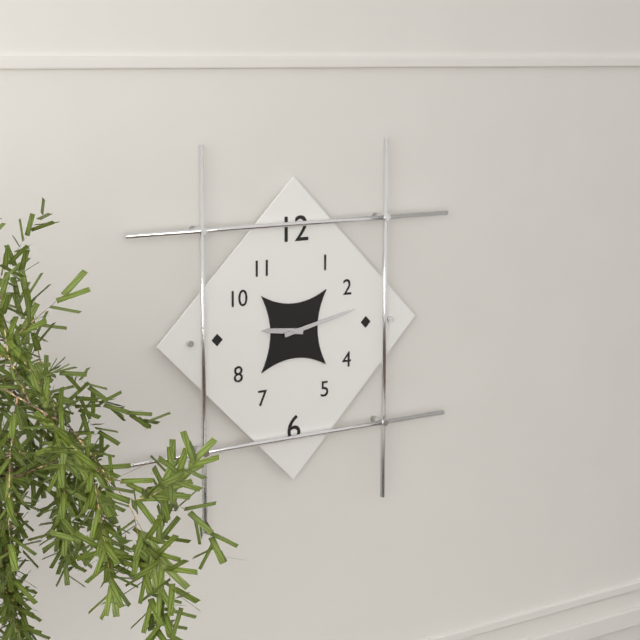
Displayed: 9 h 13 min
